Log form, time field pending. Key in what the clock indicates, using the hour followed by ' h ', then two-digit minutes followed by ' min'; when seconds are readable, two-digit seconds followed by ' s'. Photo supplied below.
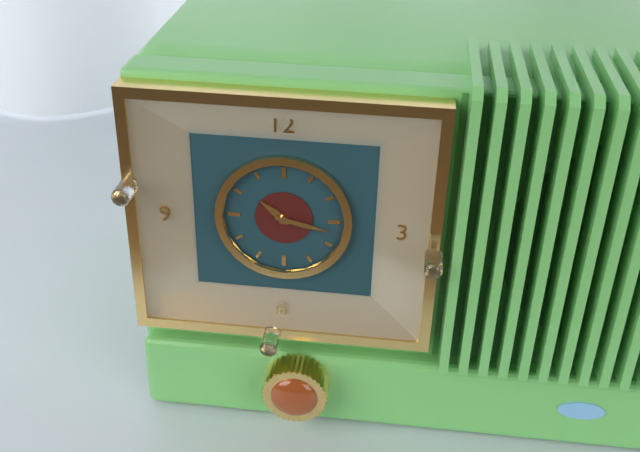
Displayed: 10 h 17 min
